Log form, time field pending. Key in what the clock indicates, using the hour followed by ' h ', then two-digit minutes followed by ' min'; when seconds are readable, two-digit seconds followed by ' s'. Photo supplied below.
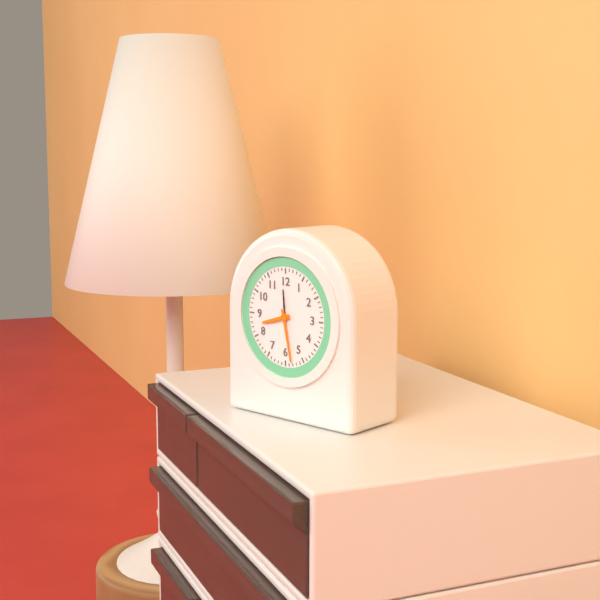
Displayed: 8 h 28 min
